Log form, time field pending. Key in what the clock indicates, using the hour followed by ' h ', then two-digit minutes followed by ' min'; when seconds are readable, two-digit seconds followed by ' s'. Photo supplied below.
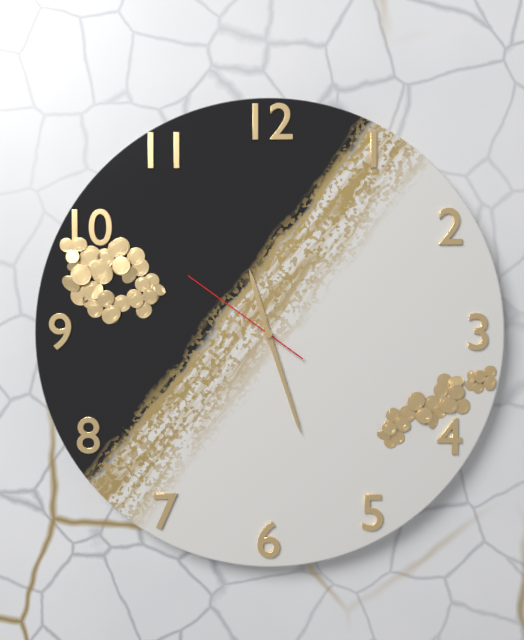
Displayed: 11 h 27 min 51 s
